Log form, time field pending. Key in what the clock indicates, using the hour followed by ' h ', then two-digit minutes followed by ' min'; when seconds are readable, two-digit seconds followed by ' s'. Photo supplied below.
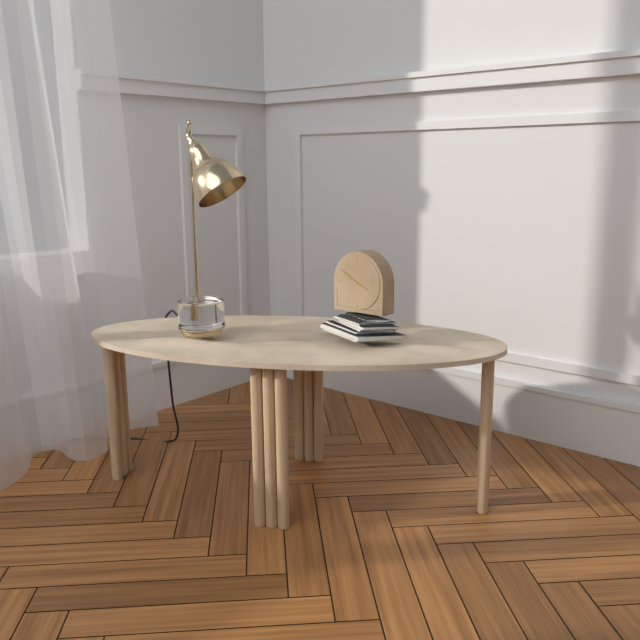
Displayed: 3 h 50 min
